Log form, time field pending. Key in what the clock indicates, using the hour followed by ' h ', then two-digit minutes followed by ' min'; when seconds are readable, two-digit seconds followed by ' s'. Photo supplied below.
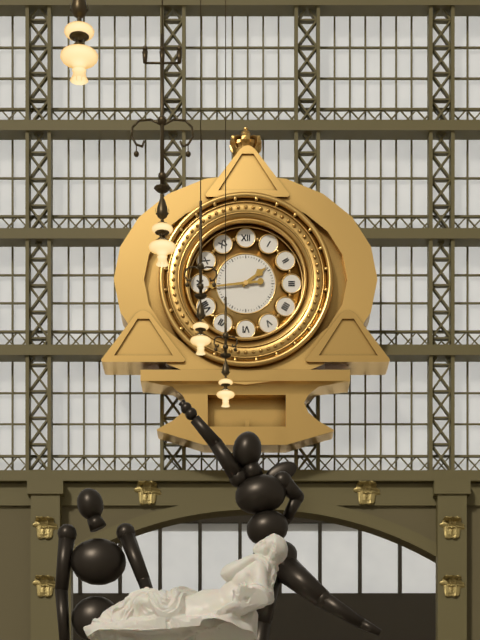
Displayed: 1 h 44 min
